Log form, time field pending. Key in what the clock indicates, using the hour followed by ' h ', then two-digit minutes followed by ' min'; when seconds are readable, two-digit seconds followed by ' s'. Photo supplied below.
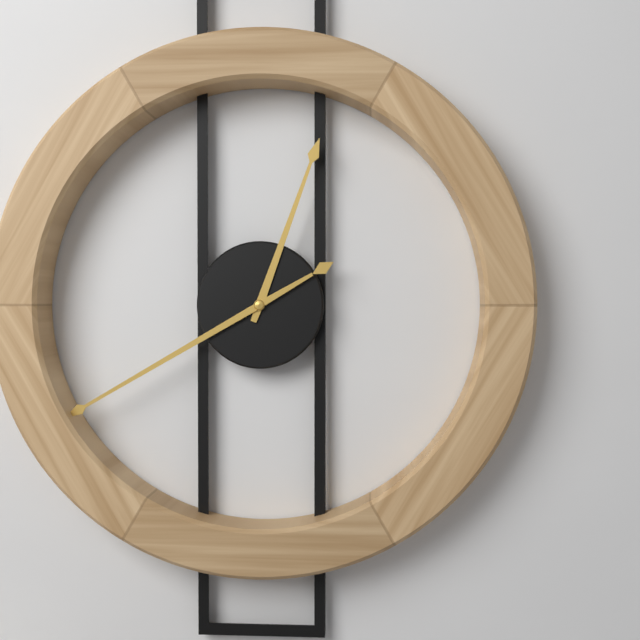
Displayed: 12 h 40 min
